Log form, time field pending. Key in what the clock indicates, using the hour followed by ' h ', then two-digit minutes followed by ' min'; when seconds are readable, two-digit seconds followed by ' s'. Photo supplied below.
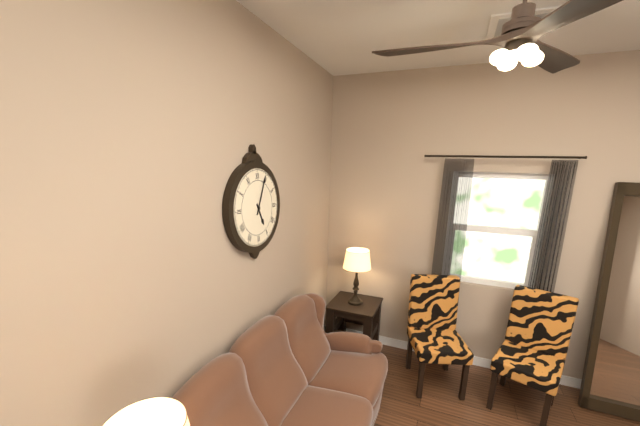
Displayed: 5 h 04 min
